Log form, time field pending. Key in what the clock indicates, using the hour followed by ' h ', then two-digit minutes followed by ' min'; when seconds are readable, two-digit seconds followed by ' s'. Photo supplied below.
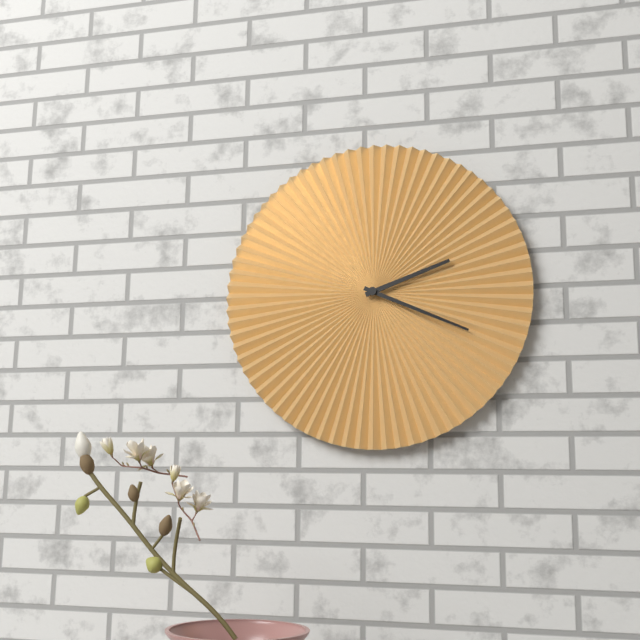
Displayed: 2 h 19 min
